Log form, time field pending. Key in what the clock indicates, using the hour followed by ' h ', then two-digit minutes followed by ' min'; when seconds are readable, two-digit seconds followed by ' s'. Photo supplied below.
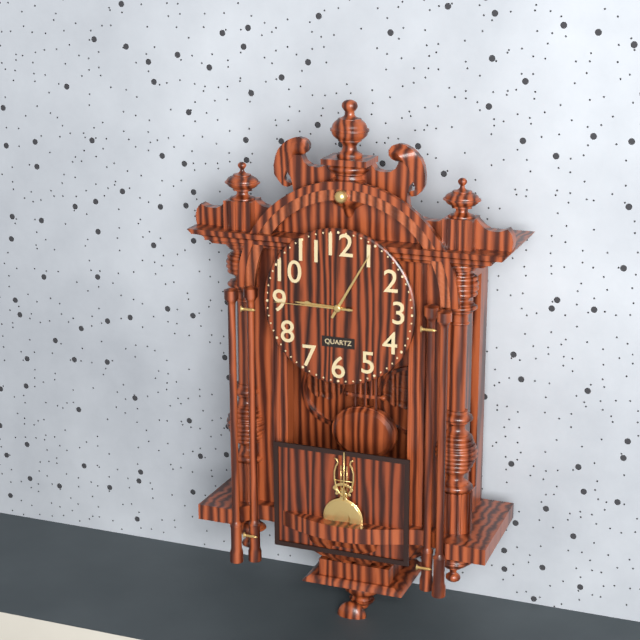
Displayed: 9 h 05 min 45 s
